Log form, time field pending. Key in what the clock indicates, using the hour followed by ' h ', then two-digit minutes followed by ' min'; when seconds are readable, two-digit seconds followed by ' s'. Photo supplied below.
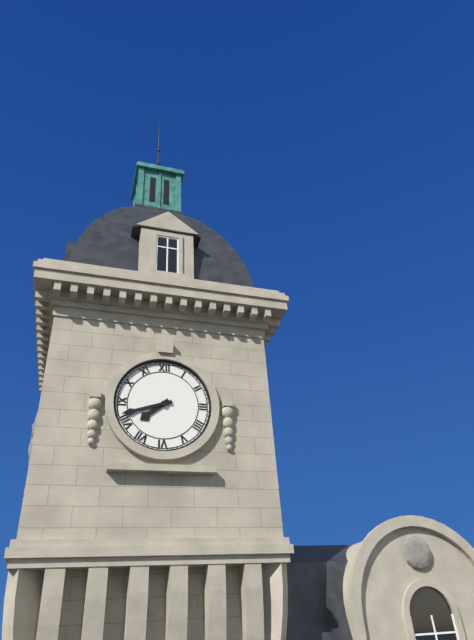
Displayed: 7 h 42 min
